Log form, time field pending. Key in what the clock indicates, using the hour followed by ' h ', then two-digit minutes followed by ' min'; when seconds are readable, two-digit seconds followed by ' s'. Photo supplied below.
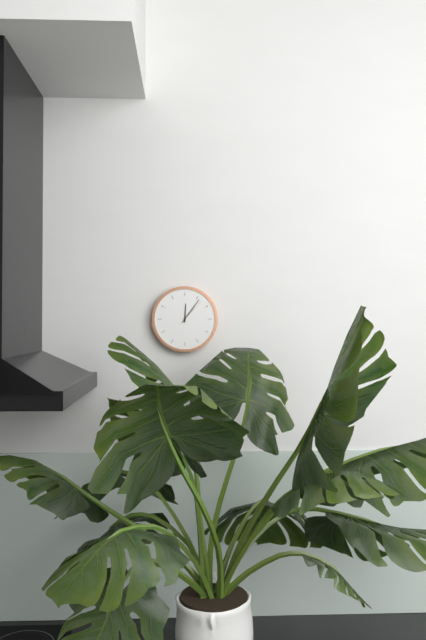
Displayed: 12 h 06 min
